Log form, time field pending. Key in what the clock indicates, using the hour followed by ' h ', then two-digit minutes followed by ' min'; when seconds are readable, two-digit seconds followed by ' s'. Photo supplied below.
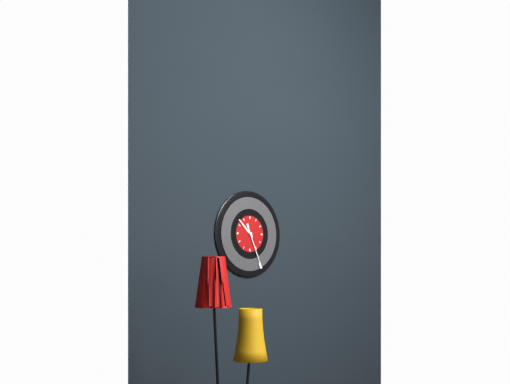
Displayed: 10 h 26 min
